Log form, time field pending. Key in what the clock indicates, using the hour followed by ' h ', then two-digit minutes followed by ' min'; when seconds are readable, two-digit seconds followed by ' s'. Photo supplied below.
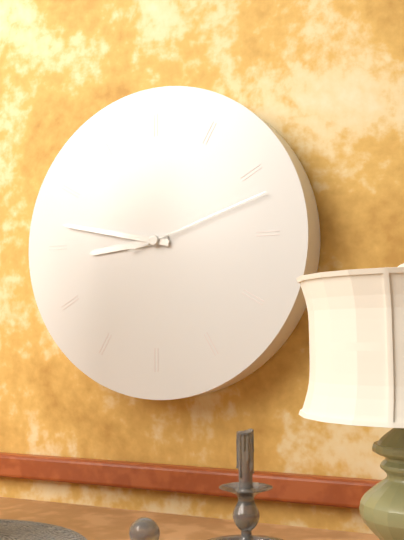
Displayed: 8 h 47 min 12 s
